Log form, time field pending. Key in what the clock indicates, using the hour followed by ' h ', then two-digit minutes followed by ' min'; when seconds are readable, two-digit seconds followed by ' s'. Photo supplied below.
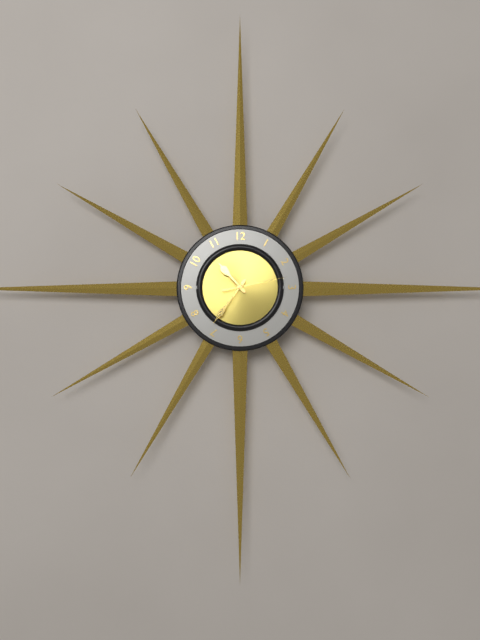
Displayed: 10 h 36 min 13 s
